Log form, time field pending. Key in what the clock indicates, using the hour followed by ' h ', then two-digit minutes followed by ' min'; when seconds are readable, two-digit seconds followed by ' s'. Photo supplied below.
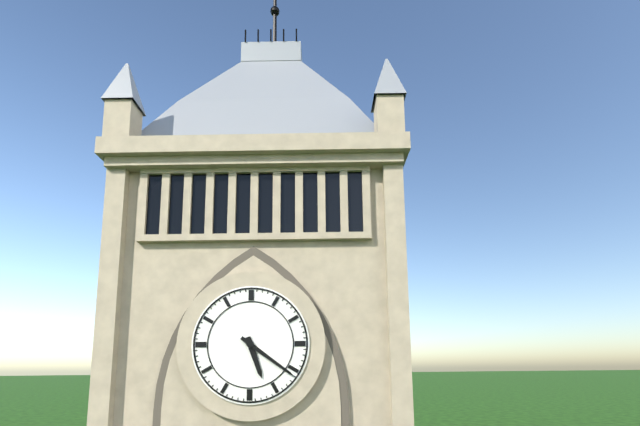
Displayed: 5 h 21 min
